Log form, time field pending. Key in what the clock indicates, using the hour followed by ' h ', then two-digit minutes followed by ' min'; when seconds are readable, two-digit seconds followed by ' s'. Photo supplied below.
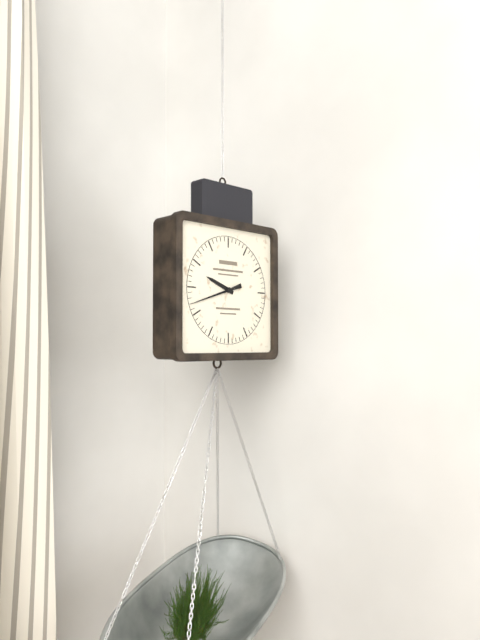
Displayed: 9 h 42 min
